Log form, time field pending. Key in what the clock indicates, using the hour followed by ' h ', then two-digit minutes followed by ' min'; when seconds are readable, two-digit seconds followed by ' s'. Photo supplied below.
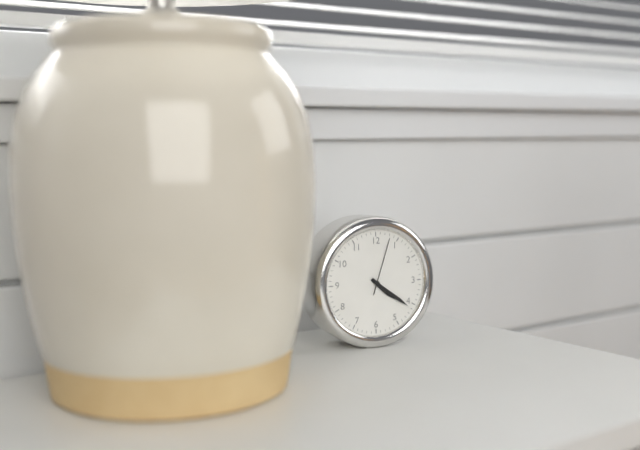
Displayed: 4 h 21 min 03 s
